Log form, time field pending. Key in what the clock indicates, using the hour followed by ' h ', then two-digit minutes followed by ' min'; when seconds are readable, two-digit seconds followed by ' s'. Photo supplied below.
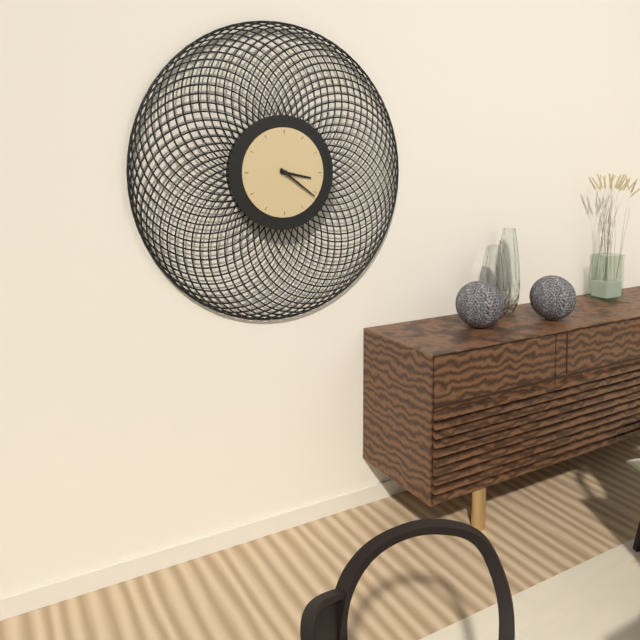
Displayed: 3 h 21 min
